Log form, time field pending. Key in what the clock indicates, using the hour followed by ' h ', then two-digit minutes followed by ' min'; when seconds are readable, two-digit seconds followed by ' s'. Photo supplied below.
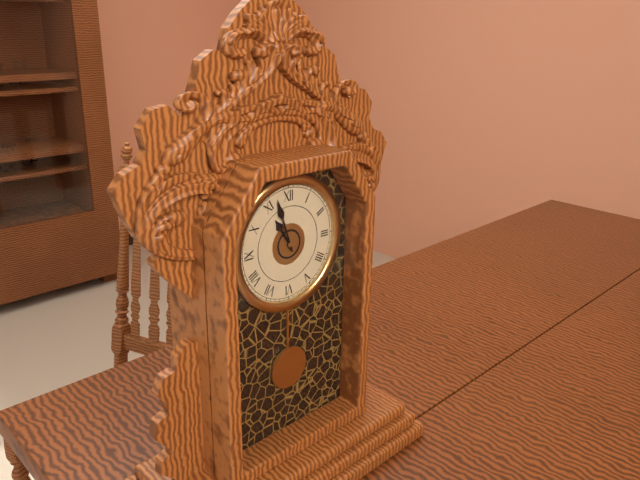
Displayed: 10 h 57 min
